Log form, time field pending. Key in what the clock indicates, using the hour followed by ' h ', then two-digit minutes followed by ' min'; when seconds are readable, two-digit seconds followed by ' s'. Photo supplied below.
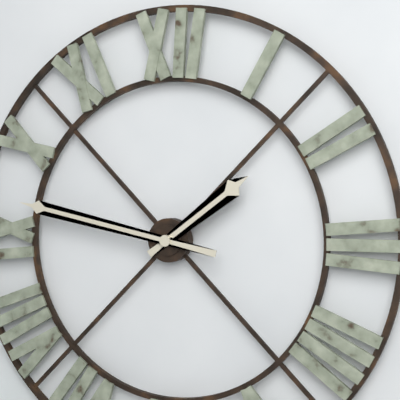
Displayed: 1 h 47 min
